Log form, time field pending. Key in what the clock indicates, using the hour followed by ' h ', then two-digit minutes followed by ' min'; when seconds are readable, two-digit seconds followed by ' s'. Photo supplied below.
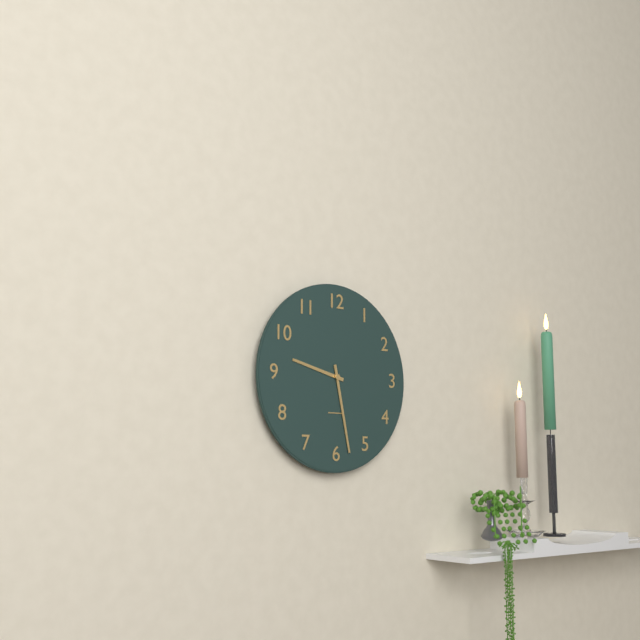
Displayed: 9 h 28 min
